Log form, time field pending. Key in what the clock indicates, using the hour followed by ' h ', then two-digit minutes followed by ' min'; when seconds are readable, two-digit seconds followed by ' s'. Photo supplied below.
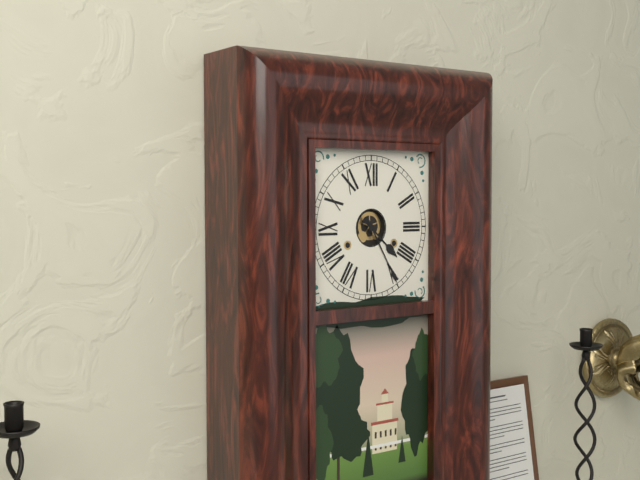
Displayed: 4 h 25 min
